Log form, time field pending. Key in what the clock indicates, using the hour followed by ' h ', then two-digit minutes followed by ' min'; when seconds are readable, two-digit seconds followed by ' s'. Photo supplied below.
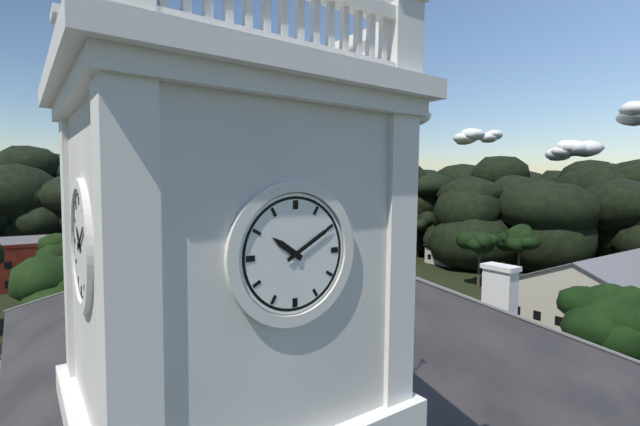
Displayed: 10 h 10 min
